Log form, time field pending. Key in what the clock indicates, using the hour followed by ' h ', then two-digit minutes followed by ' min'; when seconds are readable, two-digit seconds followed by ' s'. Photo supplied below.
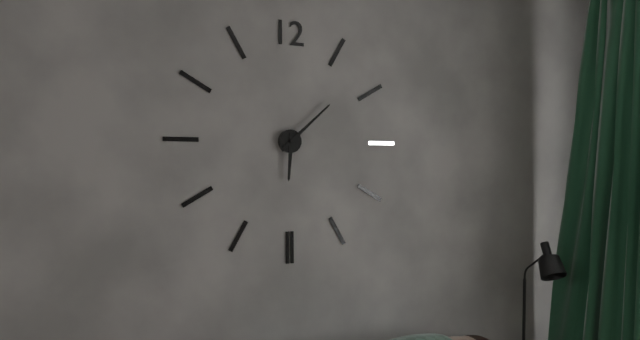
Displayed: 6 h 08 min
